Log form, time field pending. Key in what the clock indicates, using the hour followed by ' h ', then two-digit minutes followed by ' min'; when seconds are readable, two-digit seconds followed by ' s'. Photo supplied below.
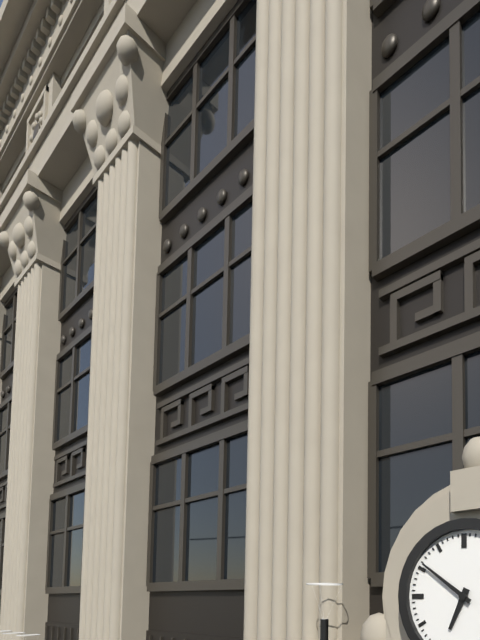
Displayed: 6 h 51 min
